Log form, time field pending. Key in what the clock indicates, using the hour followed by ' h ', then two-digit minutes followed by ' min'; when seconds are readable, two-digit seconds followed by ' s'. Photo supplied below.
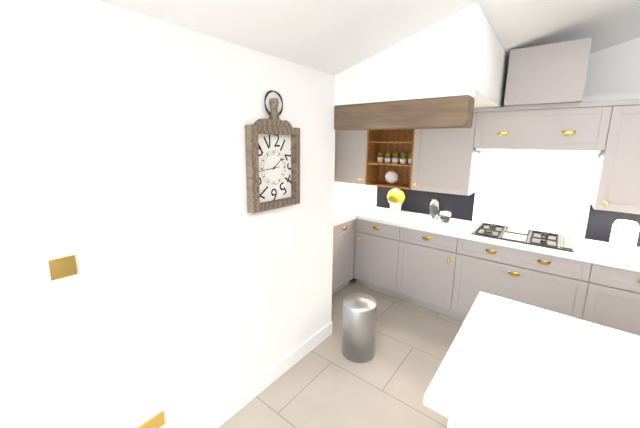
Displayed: 1 h 44 min
